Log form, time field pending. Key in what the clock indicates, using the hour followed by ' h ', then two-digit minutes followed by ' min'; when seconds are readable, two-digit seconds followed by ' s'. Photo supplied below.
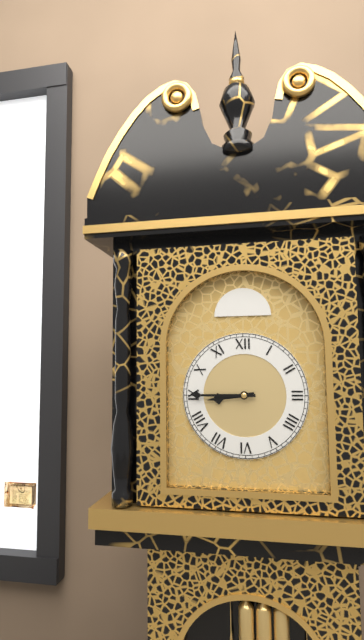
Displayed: 8 h 45 min
